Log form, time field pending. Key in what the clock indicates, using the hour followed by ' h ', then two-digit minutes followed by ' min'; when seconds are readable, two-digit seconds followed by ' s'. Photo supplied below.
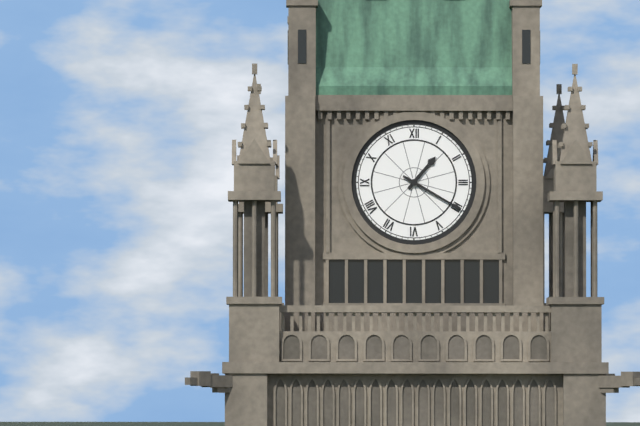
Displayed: 1 h 20 min
